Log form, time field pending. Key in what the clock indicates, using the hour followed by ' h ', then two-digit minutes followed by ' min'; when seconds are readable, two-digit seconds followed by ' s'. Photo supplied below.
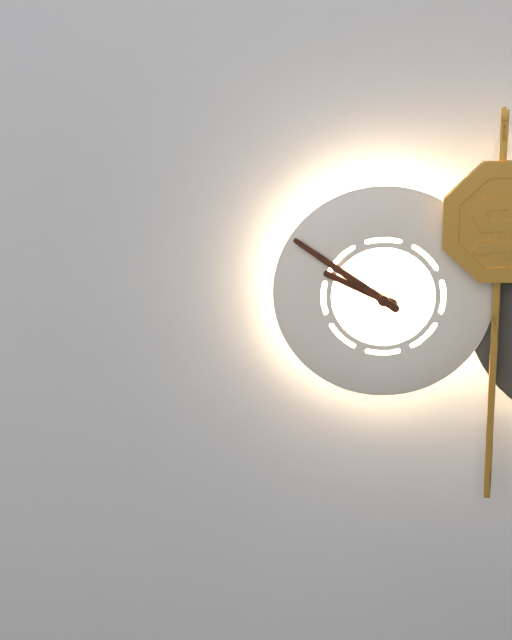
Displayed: 9 h 51 min
